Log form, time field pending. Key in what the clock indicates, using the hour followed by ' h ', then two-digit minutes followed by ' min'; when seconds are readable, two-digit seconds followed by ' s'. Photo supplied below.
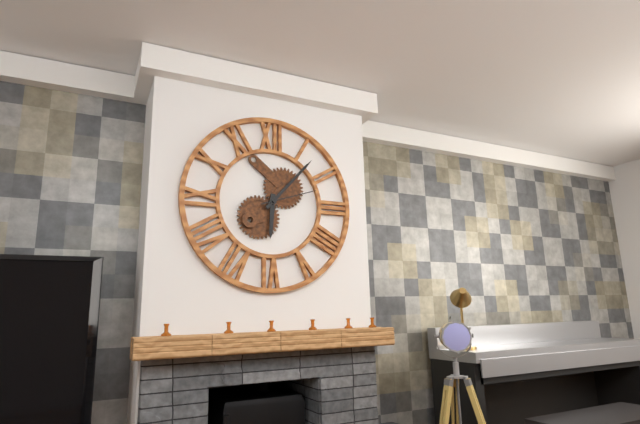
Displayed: 6 h 07 min 12 s
